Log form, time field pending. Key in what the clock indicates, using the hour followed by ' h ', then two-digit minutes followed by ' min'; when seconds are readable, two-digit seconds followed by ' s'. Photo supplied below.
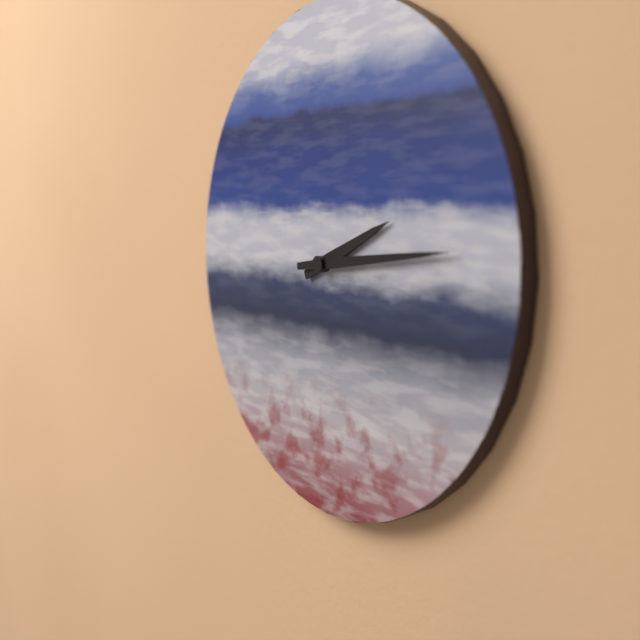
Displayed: 2 h 14 min
